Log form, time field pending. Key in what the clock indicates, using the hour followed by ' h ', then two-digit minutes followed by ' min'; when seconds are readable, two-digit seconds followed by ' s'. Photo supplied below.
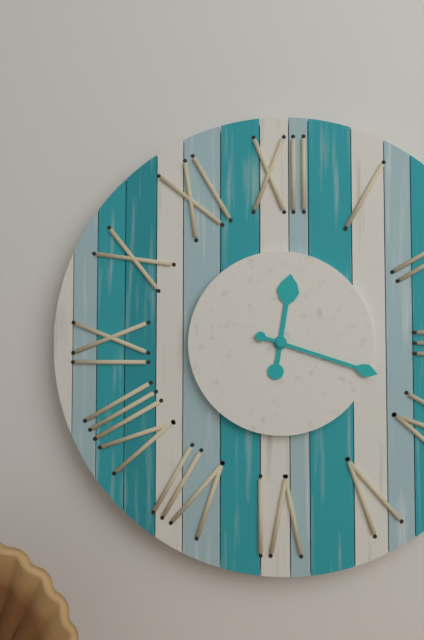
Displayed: 12 h 18 min
